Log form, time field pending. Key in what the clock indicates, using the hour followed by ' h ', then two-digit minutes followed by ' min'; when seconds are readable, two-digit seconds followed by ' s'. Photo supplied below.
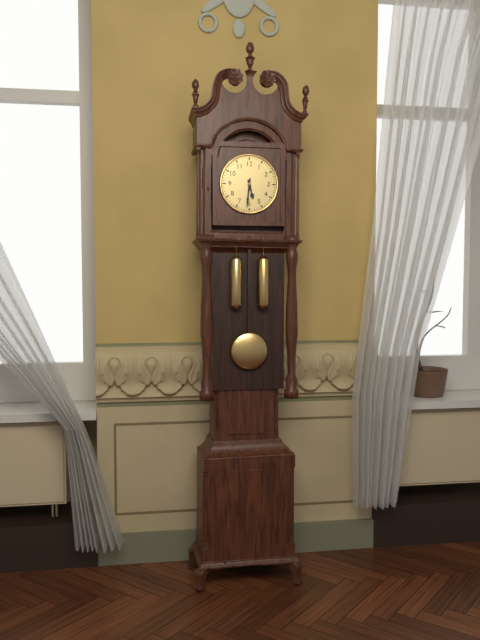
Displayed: 5 h 31 min
